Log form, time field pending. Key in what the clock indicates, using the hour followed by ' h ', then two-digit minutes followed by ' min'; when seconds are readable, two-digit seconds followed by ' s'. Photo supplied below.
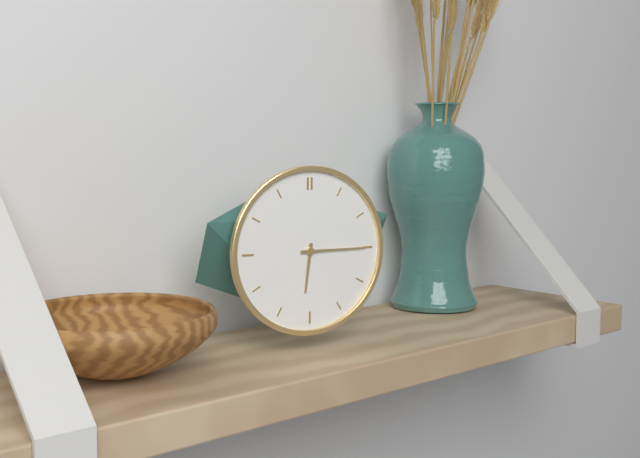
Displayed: 6 h 15 min
